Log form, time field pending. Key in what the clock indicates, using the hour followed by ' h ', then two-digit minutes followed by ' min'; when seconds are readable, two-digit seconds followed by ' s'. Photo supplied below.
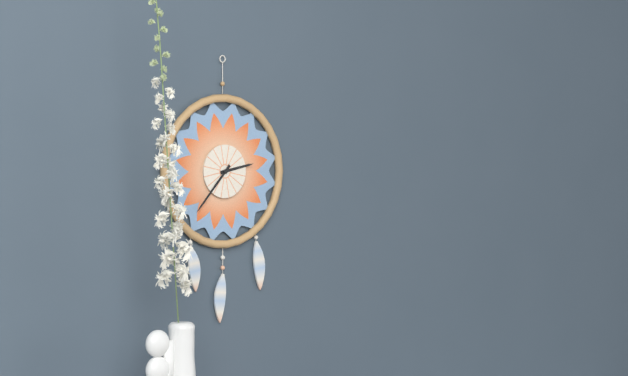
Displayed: 2 h 37 min
